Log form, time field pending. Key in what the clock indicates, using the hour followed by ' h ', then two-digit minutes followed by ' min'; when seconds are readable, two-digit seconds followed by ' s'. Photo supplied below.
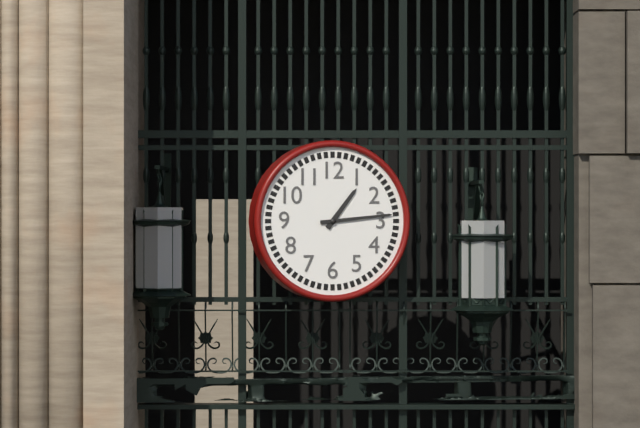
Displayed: 1 h 14 min
